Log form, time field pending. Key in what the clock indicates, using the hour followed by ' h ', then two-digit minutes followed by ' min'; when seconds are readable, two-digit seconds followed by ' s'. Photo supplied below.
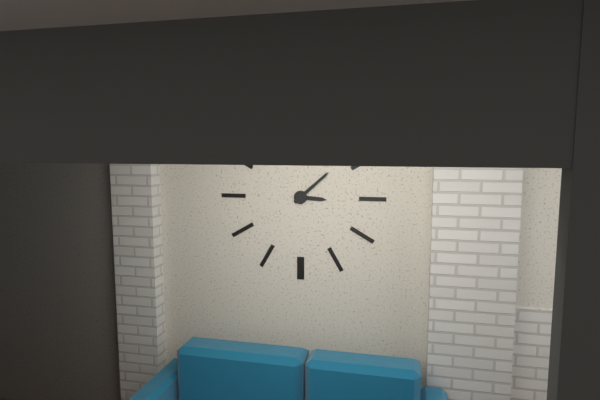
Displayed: 3 h 08 min
